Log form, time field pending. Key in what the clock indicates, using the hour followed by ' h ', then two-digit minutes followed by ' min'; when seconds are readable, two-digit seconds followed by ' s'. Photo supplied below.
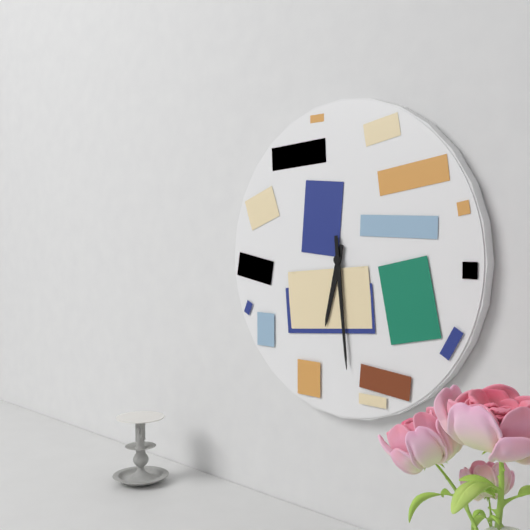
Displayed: 6 h 29 min
